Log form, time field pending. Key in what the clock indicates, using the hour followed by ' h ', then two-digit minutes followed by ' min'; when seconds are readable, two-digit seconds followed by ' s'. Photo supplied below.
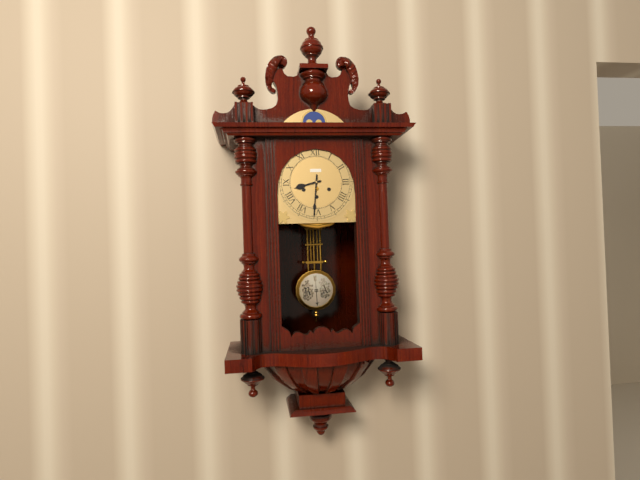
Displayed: 8 h 31 min
